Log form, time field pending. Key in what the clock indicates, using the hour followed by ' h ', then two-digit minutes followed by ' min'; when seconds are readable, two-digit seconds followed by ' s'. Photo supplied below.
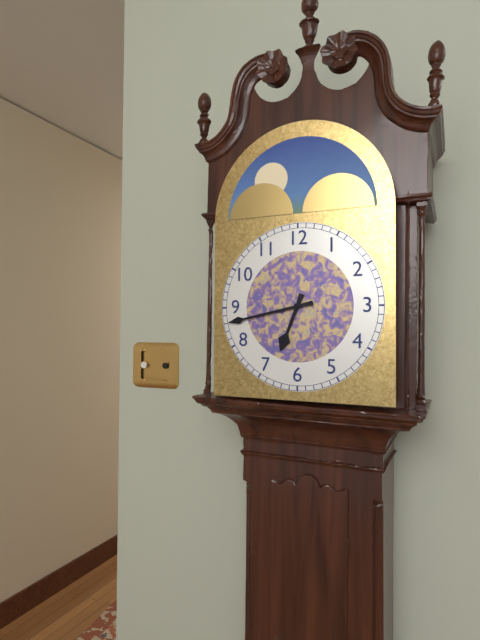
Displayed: 6 h 43 min
